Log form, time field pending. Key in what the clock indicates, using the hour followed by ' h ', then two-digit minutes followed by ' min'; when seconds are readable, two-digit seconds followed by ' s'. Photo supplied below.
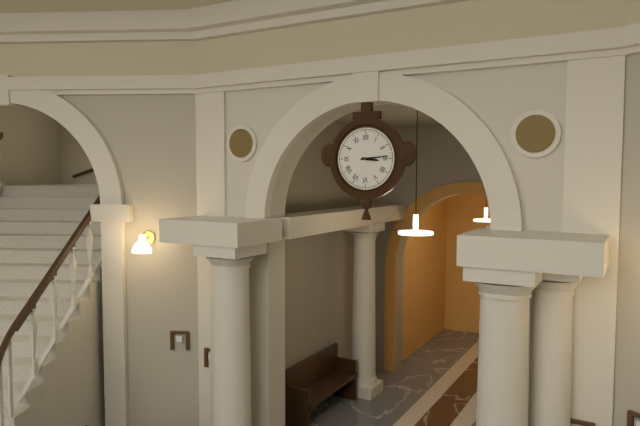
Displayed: 3 h 14 min
